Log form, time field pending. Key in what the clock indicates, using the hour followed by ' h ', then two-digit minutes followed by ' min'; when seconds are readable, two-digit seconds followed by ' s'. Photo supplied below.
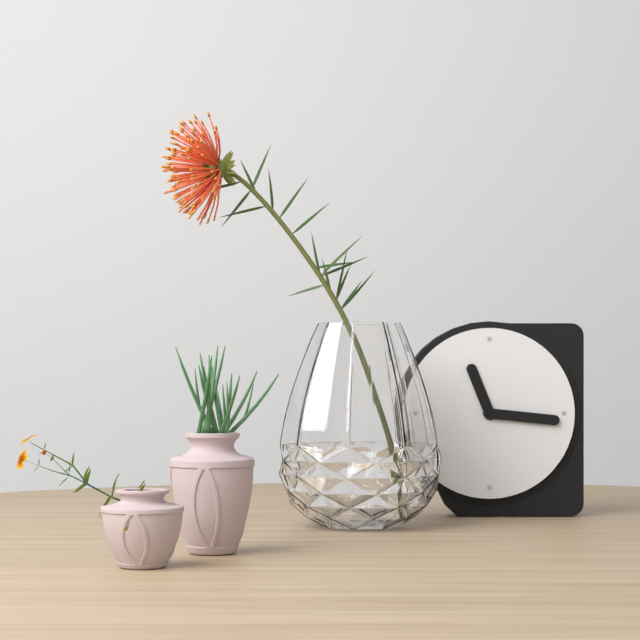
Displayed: 11 h 16 min
